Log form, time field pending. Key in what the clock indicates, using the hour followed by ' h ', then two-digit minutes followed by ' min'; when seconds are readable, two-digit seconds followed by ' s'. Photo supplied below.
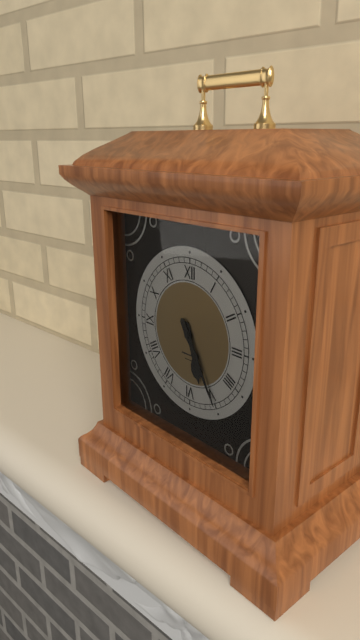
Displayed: 5 h 25 min
